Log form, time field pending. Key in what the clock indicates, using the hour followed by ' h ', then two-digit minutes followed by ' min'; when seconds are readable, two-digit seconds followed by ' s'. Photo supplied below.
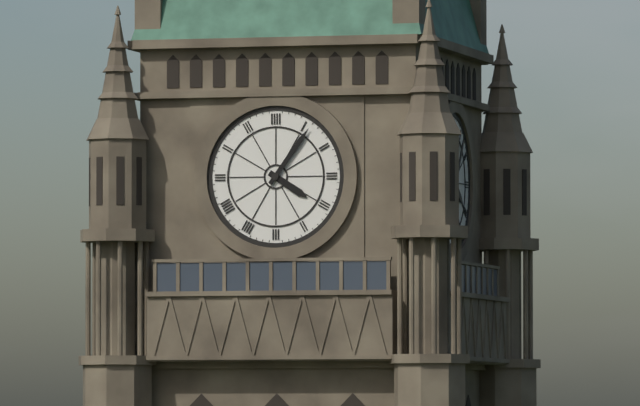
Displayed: 4 h 06 min
